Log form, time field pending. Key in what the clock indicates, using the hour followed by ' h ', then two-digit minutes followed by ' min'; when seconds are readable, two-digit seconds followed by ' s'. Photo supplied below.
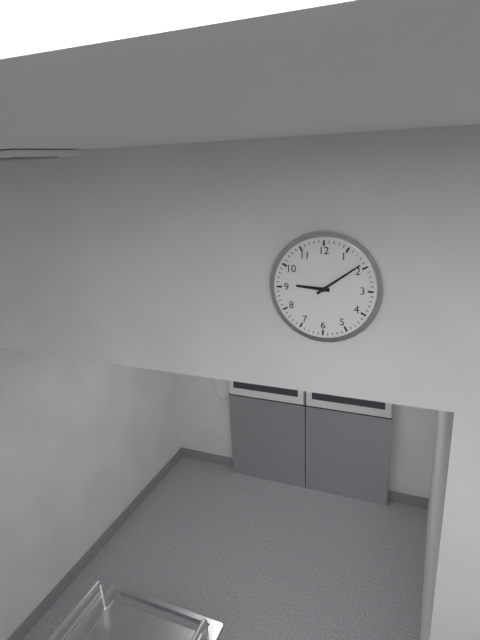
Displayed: 9 h 09 min
